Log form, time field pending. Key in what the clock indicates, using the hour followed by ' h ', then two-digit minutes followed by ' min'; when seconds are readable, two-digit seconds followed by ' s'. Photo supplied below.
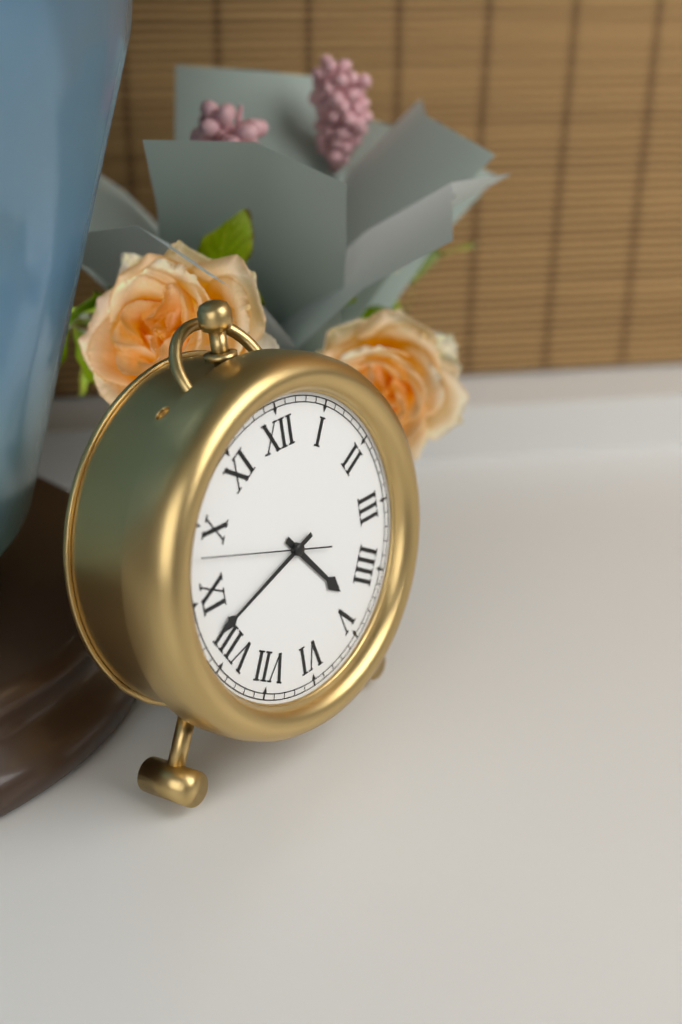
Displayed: 4 h 42 min 48 s
